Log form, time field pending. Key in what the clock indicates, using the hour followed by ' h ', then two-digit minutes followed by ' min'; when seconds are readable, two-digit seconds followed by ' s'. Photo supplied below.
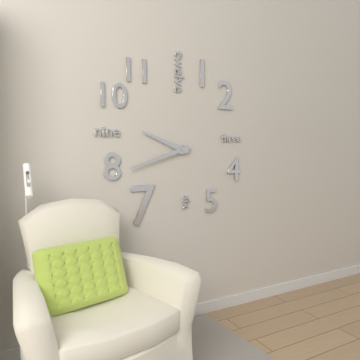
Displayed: 9 h 42 min
